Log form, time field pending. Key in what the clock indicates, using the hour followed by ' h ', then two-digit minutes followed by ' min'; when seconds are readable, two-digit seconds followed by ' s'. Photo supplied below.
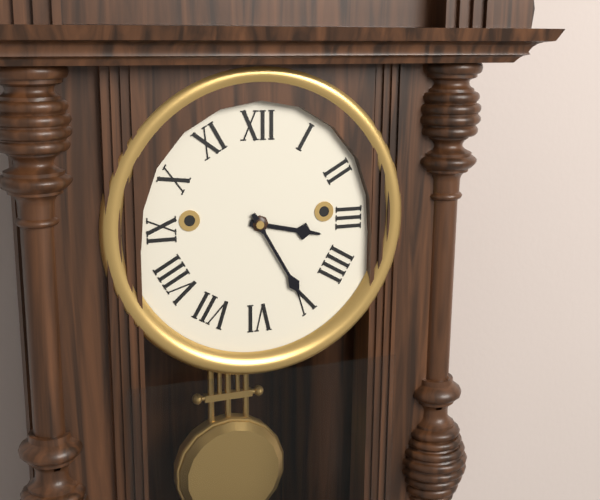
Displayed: 3 h 25 min
